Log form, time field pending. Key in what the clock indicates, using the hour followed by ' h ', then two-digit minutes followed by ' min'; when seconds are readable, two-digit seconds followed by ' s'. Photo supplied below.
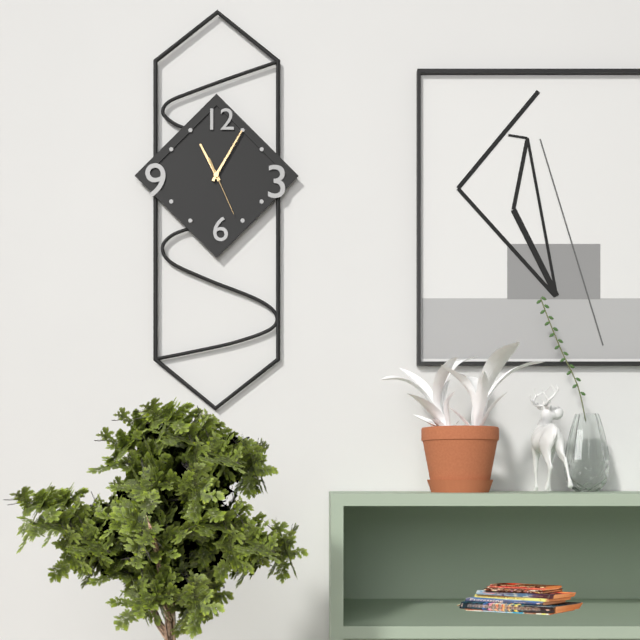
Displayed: 11 h 05 min
